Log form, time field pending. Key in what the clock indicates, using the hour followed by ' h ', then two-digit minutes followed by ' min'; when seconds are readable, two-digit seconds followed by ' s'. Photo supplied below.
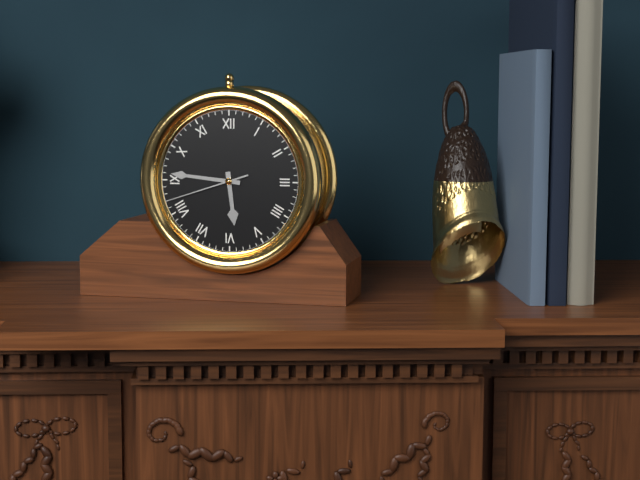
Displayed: 5 h 46 min 42 s
